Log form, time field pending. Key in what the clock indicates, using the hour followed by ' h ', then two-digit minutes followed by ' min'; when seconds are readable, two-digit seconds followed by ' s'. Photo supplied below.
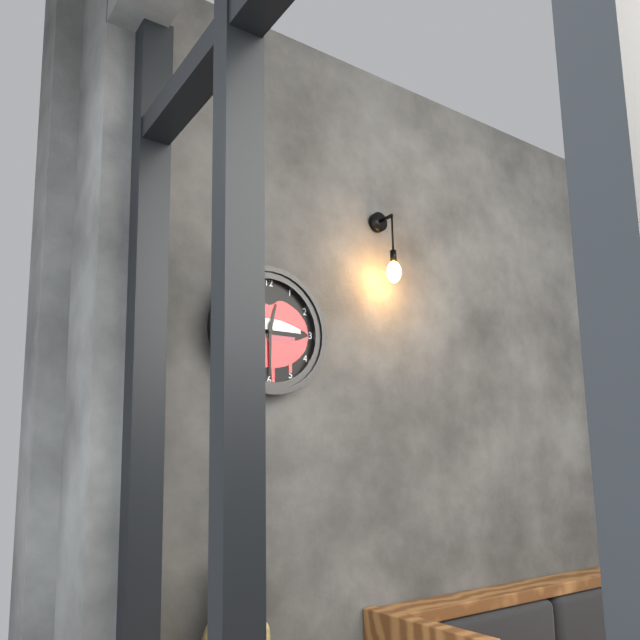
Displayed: 12 h 30 min
